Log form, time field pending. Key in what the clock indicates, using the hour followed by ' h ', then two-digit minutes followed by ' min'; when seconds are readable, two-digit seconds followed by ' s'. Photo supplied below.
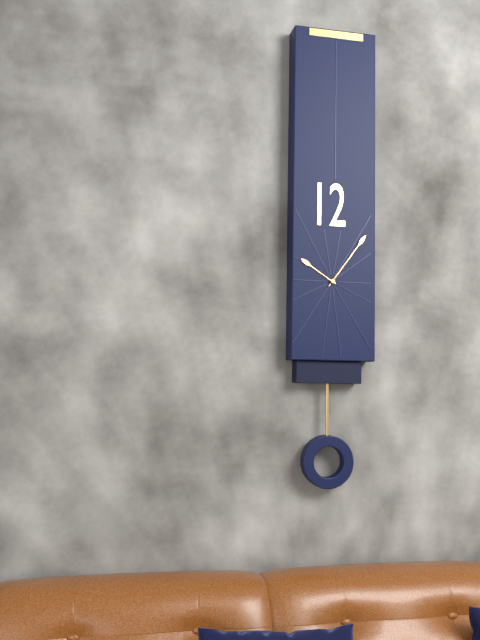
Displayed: 10 h 06 min
